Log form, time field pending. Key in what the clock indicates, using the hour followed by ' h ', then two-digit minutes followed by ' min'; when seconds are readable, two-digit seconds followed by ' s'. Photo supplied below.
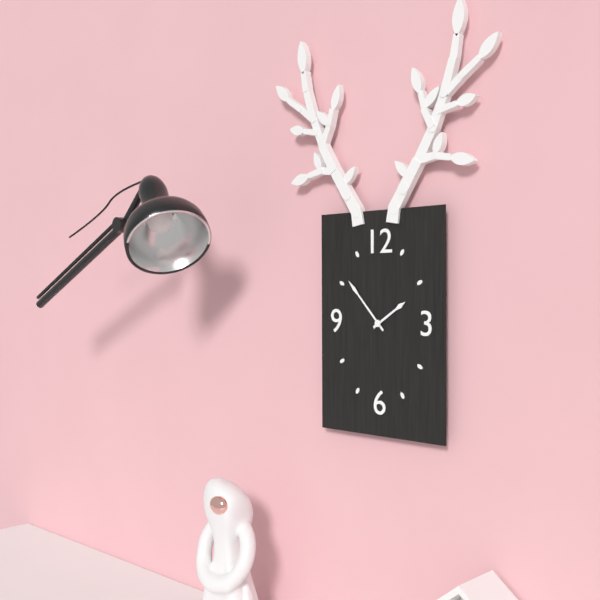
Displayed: 1 h 53 min
